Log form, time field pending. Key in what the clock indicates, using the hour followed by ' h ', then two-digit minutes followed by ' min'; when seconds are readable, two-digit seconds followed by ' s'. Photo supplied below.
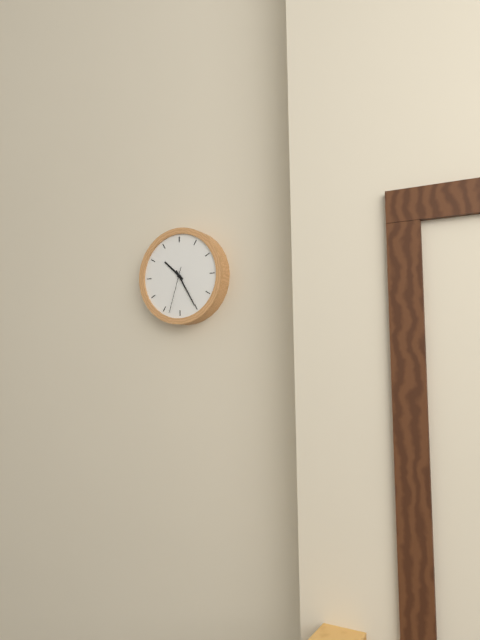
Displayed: 10 h 25 min
